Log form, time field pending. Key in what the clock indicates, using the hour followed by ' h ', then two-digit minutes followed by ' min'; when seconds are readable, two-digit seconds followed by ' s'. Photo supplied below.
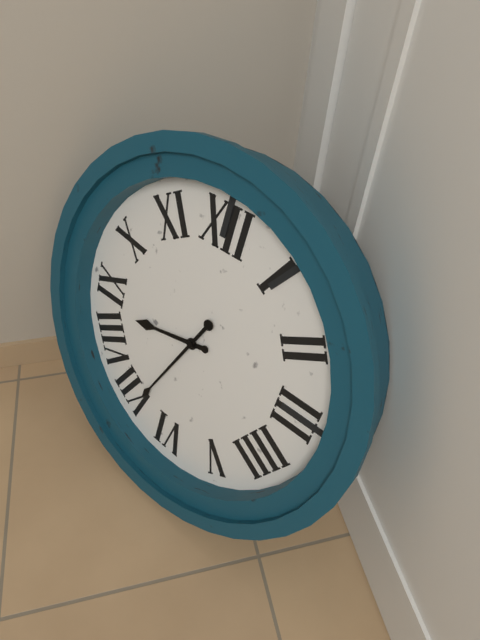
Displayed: 8 h 34 min
